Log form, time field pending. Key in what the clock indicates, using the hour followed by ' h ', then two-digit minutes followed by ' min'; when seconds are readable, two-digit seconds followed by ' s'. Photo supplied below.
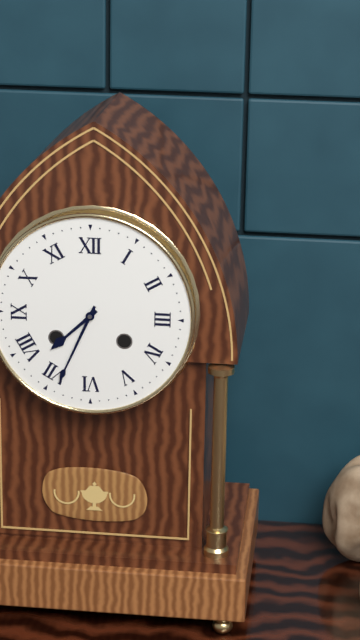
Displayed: 7 h 34 min
